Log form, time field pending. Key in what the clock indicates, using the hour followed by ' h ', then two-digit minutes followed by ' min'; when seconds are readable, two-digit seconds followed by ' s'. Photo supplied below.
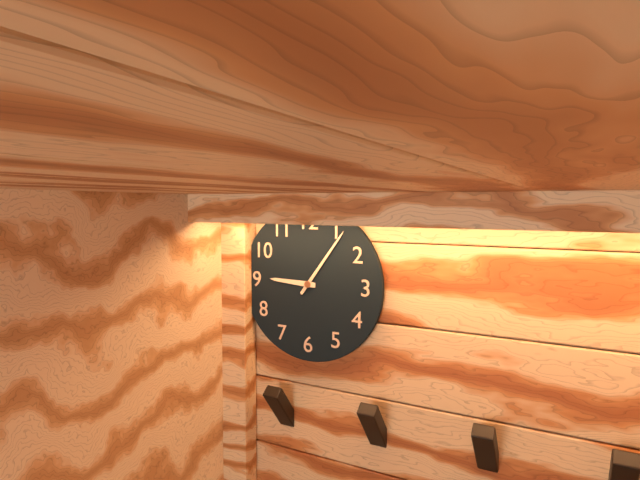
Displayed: 9 h 06 min
